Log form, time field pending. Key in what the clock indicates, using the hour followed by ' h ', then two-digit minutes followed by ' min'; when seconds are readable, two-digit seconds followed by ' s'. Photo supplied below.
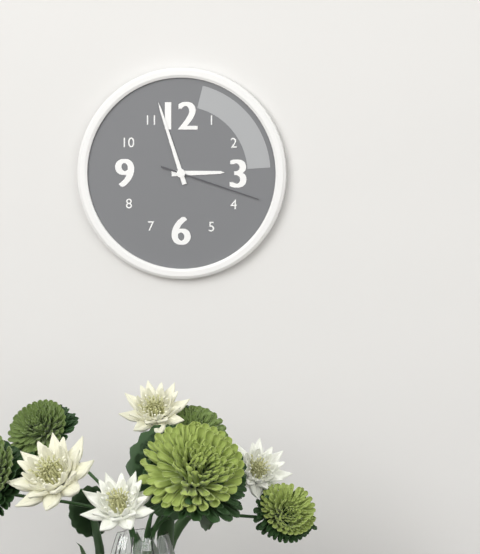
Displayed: 2 h 57 min 18 s
